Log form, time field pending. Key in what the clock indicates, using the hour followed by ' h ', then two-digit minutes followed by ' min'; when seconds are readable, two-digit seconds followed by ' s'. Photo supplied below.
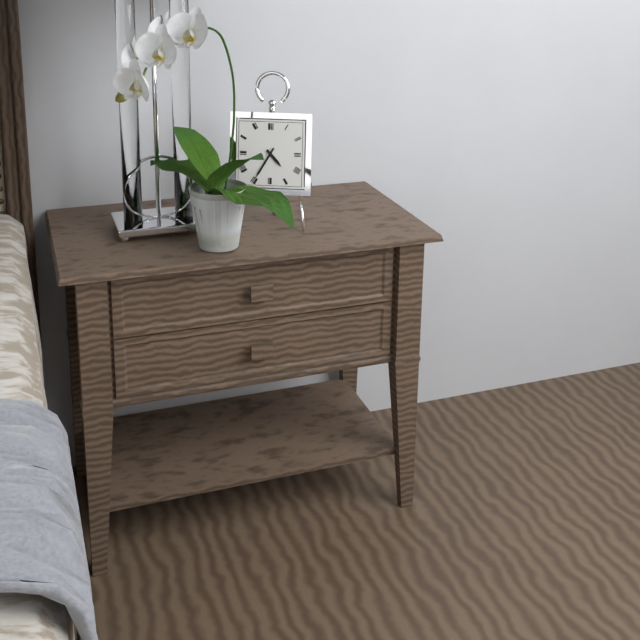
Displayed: 4 h 35 min
